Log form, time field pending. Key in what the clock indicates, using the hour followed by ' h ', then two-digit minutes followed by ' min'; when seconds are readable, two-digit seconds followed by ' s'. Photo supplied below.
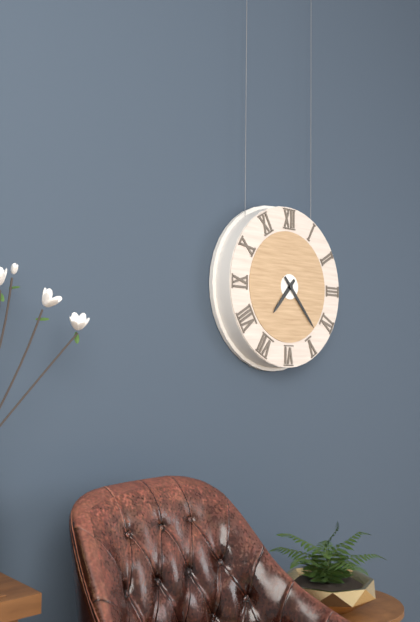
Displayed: 7 h 23 min
